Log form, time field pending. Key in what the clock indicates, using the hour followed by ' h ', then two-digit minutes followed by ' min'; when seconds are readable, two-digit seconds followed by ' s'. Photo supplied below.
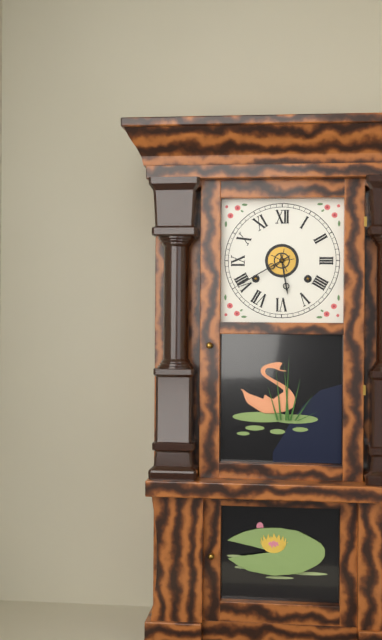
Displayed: 5 h 40 min
